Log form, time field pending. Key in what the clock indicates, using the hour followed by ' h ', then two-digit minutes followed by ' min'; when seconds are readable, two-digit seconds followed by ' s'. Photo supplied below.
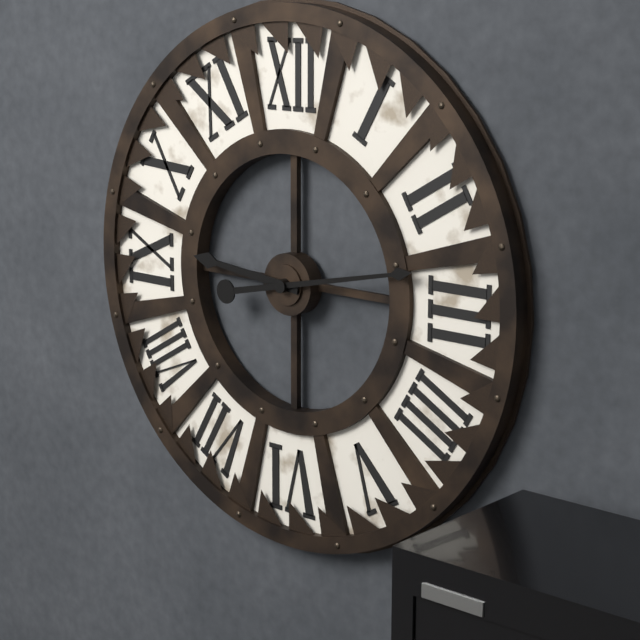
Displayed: 9 h 13 min
